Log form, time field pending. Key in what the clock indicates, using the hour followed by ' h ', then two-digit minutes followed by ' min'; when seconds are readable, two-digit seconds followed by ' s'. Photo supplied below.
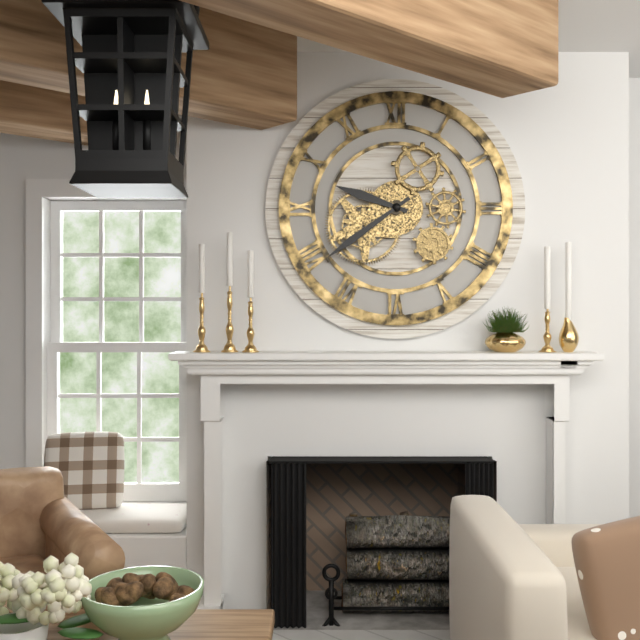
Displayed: 9 h 39 min
